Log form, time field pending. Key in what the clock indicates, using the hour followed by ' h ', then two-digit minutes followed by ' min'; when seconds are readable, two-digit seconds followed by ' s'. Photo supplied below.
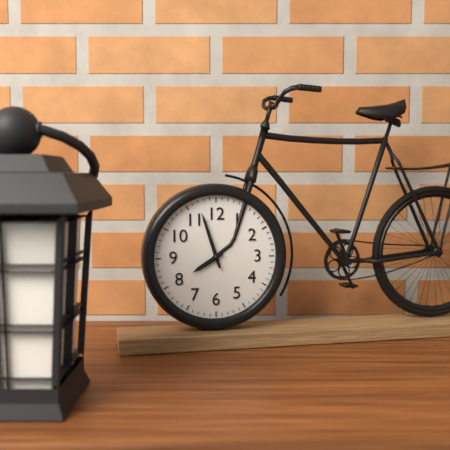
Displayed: 7 h 57 min
